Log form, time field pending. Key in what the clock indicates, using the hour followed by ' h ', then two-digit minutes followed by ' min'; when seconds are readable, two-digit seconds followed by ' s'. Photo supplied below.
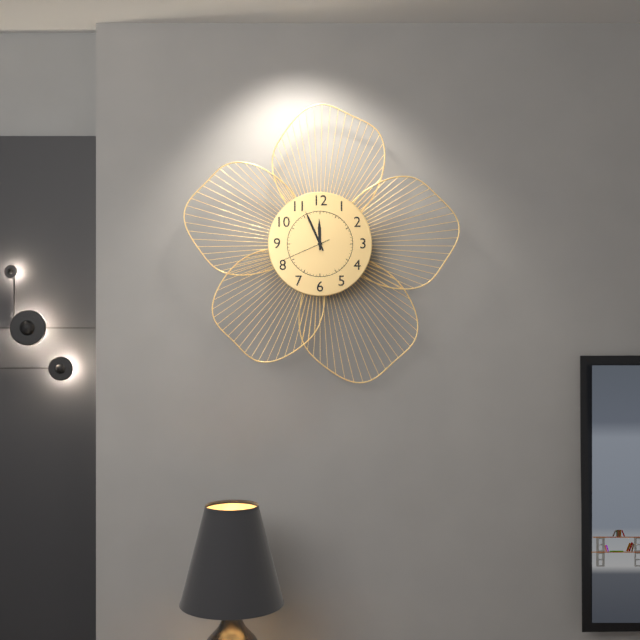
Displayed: 11 h 56 min
